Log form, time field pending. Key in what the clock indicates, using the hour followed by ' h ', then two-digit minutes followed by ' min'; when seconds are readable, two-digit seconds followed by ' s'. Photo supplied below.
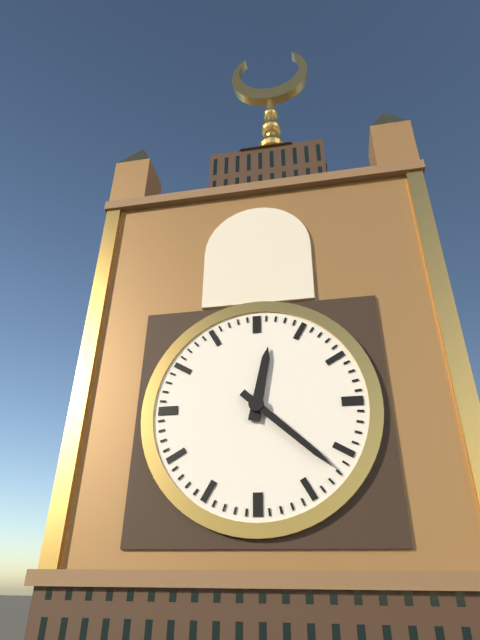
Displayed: 12 h 22 min
